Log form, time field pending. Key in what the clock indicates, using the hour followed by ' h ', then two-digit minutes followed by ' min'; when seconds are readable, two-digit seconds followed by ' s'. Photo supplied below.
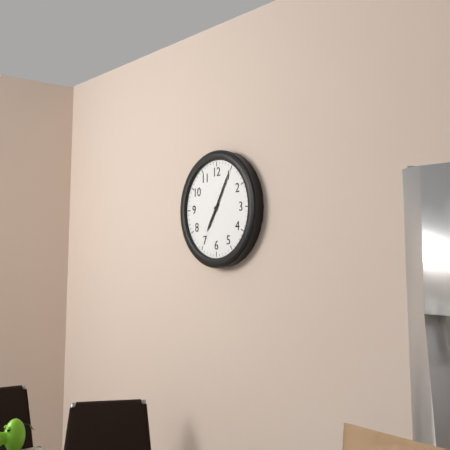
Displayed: 7 h 05 min
